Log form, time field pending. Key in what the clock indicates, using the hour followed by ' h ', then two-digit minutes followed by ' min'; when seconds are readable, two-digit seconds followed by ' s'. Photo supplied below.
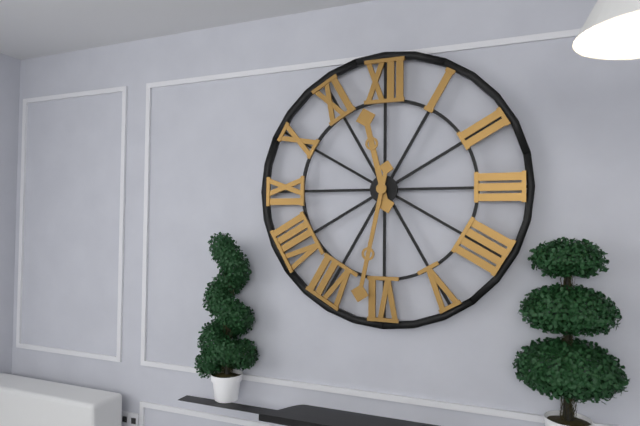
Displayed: 11 h 32 min
